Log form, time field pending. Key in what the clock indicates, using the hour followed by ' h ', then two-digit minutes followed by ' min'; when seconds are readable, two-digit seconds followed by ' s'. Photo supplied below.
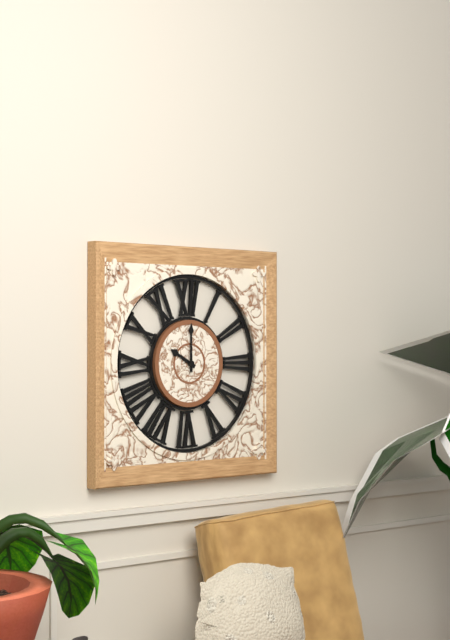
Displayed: 10 h 00 min
